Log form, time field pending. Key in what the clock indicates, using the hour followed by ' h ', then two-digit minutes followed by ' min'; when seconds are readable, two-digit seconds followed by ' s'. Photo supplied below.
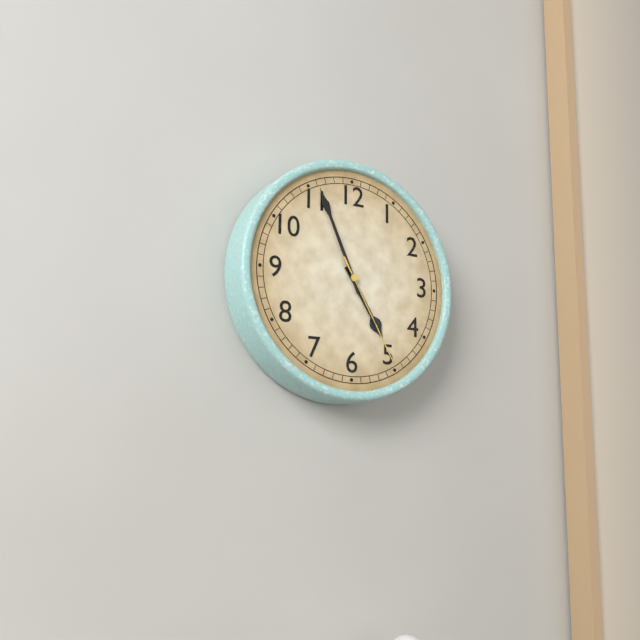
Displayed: 4 h 56 min 25 s
